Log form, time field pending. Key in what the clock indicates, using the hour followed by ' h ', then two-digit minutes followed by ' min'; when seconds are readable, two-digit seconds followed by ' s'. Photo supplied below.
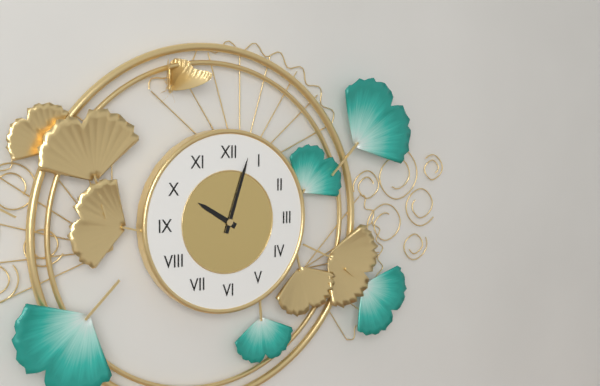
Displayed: 10 h 03 min
